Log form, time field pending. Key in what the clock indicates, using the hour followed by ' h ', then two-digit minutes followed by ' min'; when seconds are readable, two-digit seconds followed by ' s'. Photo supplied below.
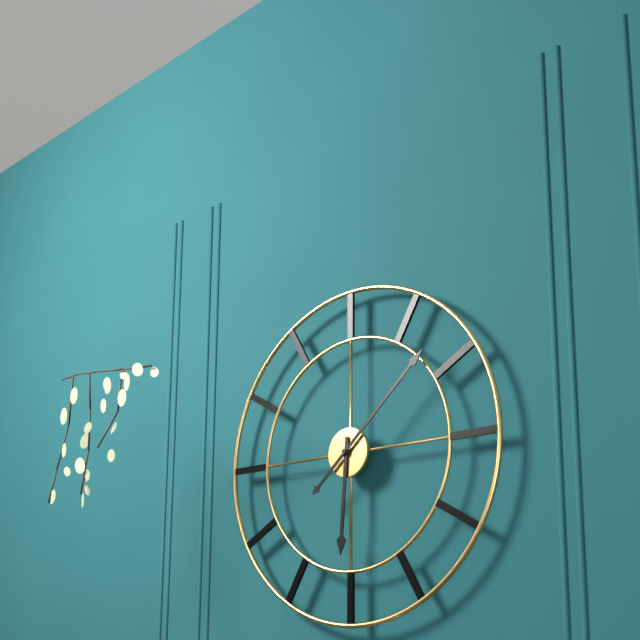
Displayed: 6 h 08 min
